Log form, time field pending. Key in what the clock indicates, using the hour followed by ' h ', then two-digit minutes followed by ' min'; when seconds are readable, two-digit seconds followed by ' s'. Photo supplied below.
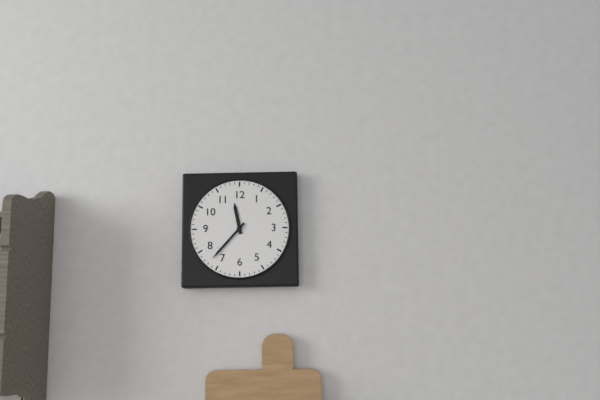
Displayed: 11 h 37 min
